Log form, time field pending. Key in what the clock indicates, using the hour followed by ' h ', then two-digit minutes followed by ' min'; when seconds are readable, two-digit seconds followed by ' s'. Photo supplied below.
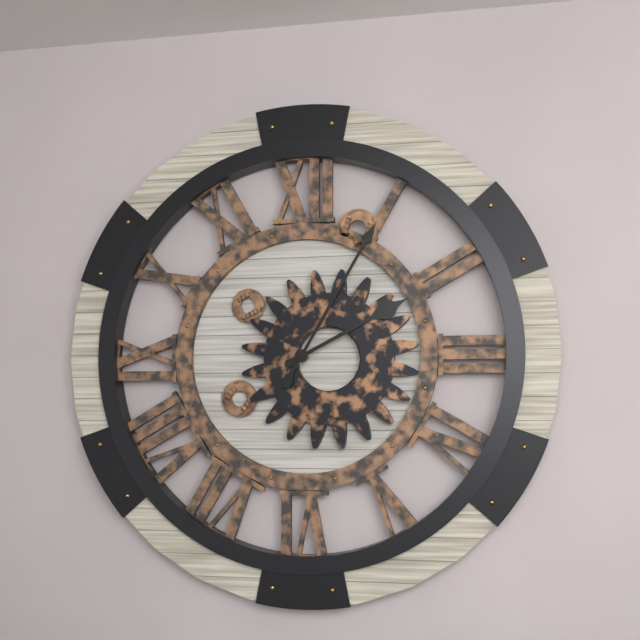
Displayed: 2 h 05 min
